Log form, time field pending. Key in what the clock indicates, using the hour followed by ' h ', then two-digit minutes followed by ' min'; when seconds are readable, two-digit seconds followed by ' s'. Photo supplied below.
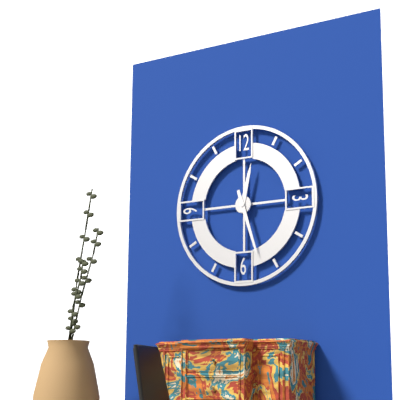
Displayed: 12 h 27 min
